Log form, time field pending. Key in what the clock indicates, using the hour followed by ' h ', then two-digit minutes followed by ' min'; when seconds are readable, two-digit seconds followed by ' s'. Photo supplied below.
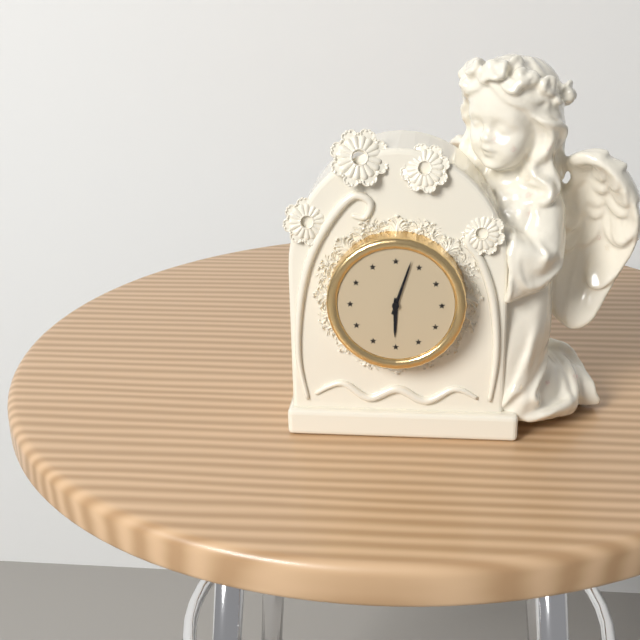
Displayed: 6 h 03 min
